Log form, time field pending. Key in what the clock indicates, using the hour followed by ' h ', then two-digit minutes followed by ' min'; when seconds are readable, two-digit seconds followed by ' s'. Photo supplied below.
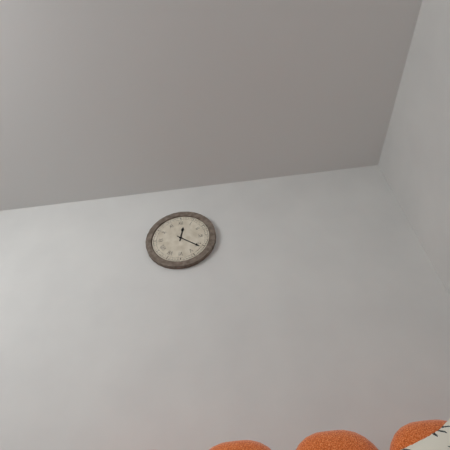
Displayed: 12 h 21 min
